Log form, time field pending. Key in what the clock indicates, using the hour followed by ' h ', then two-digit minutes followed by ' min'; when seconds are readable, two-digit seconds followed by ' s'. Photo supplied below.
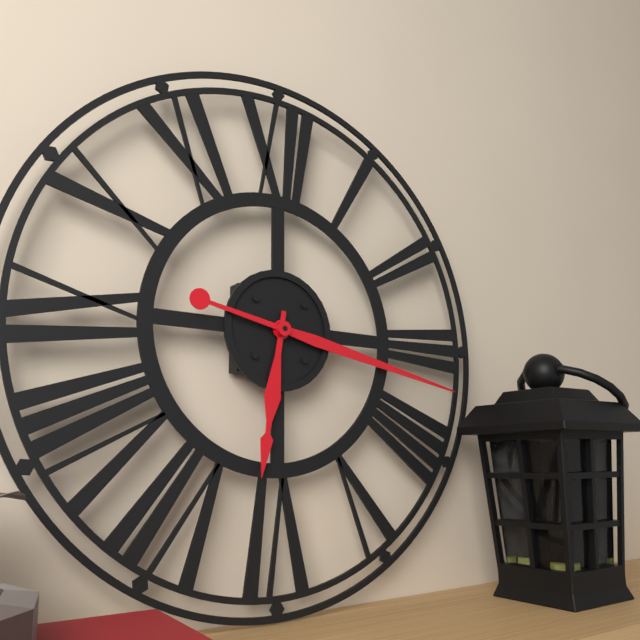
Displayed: 6 h 17 min
